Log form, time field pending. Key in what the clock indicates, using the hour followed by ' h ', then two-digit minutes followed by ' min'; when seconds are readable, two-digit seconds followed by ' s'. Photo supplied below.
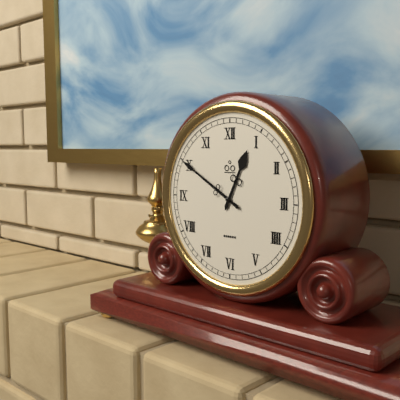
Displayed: 12 h 50 min
